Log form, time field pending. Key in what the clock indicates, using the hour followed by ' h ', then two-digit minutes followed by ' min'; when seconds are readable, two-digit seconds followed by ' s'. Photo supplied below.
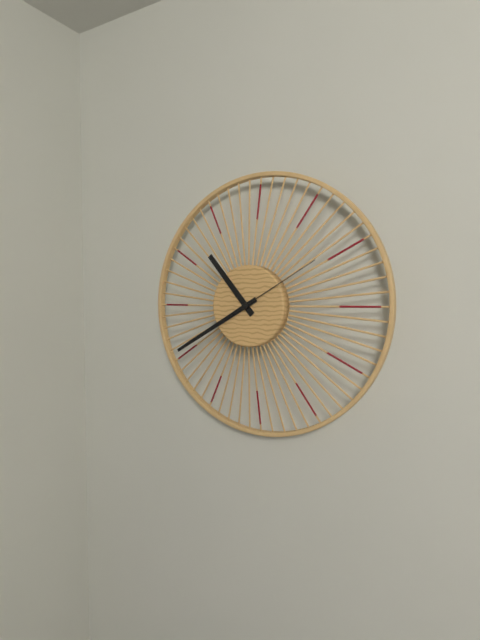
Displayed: 10 h 40 min 10 s
